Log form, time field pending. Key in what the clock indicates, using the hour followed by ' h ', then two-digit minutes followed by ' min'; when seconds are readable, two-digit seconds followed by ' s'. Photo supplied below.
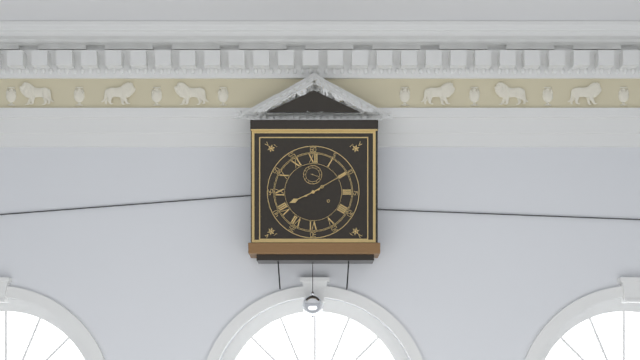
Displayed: 8 h 10 min
